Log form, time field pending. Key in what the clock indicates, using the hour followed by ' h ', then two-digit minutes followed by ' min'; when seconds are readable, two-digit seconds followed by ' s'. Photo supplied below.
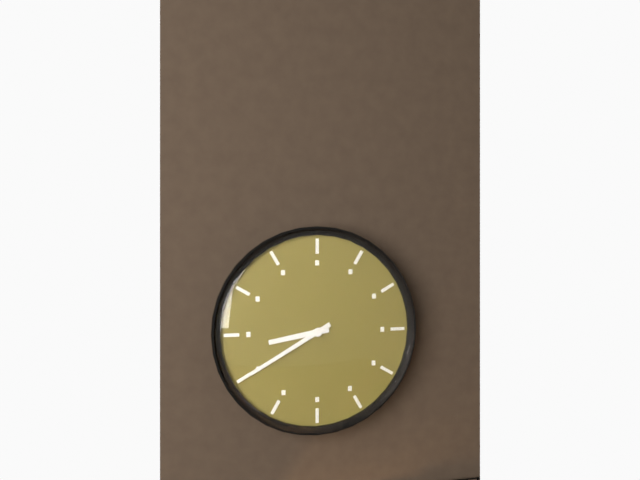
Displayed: 8 h 40 min
